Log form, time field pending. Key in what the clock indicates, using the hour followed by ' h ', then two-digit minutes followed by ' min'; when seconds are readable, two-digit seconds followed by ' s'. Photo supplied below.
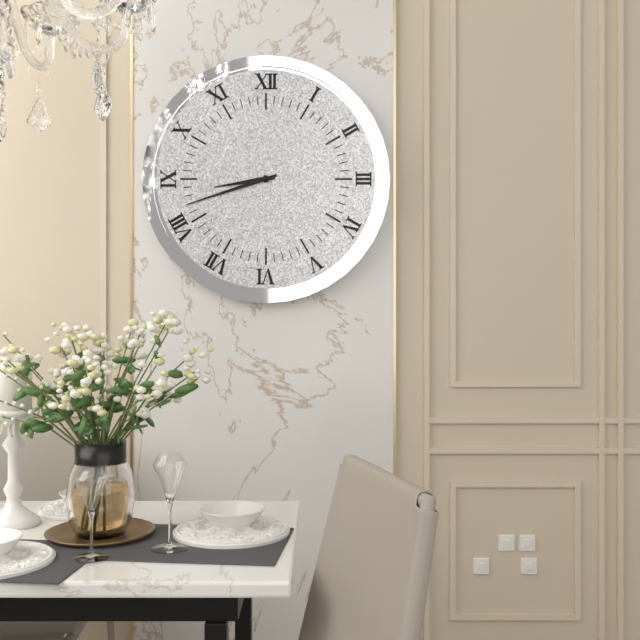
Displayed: 8 h 42 min
